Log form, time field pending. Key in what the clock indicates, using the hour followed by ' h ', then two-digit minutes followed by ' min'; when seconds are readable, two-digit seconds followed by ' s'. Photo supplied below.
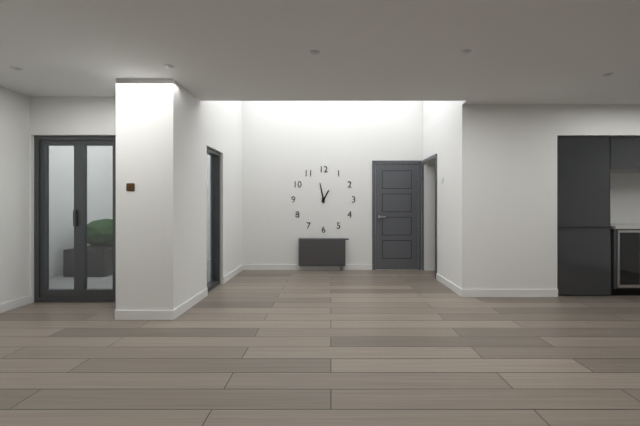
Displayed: 12 h 58 min
